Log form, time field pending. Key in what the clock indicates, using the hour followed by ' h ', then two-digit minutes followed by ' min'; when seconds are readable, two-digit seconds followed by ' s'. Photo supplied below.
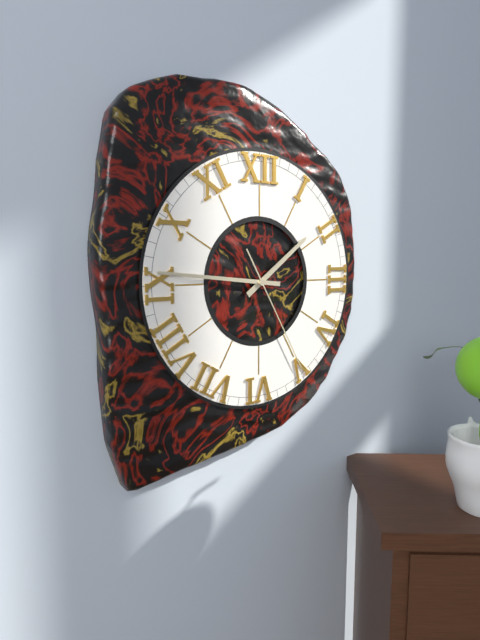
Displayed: 1 h 46 min 25 s
